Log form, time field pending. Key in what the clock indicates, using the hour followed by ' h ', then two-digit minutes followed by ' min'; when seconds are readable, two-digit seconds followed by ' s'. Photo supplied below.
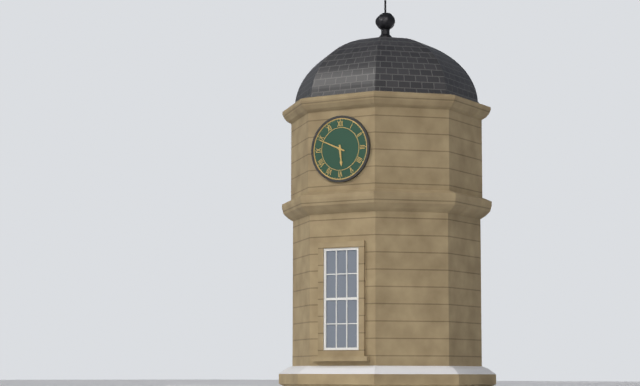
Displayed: 5 h 49 min
